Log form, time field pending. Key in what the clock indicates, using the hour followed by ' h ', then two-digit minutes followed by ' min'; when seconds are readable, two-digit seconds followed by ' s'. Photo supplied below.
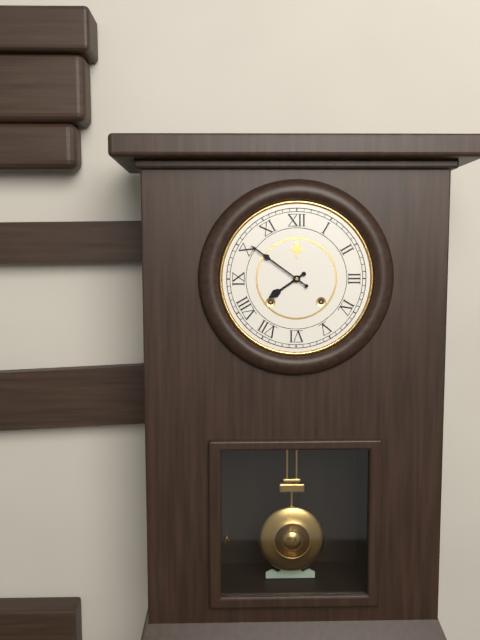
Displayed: 7 h 51 min
